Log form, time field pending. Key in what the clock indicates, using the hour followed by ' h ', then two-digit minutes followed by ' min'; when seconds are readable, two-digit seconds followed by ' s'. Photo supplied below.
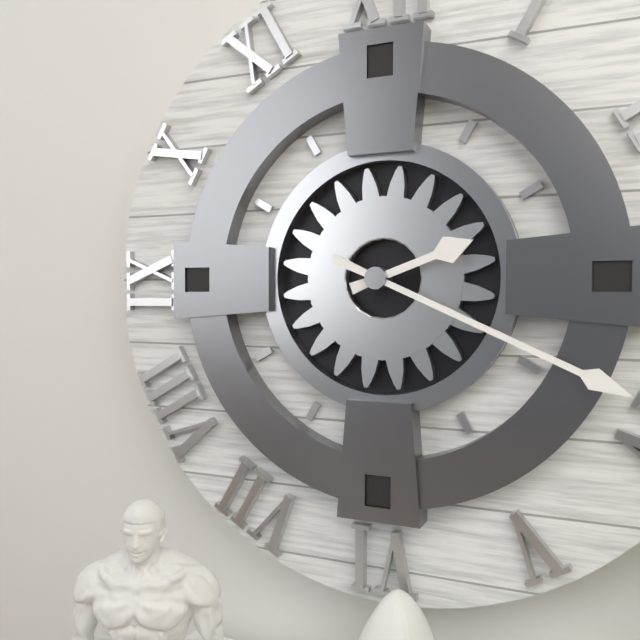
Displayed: 2 h 19 min
